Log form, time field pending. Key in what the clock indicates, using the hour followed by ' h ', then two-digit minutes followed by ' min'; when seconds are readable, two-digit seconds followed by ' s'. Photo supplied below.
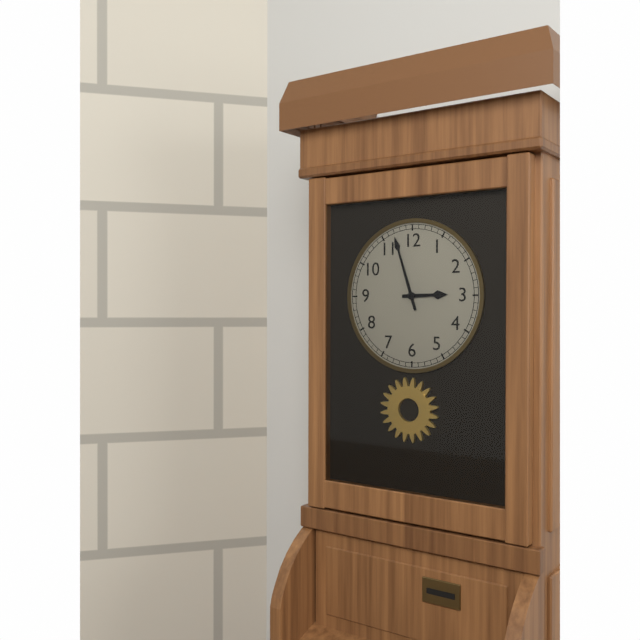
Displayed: 2 h 57 min
